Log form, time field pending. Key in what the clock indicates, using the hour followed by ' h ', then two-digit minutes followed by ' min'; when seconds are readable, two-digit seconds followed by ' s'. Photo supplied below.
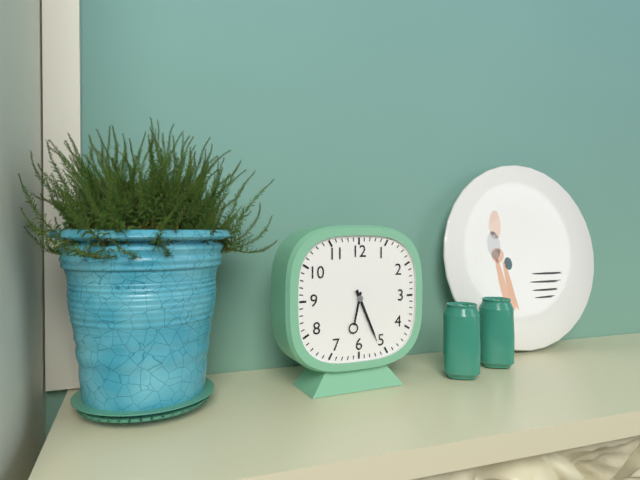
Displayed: 6 h 26 min
